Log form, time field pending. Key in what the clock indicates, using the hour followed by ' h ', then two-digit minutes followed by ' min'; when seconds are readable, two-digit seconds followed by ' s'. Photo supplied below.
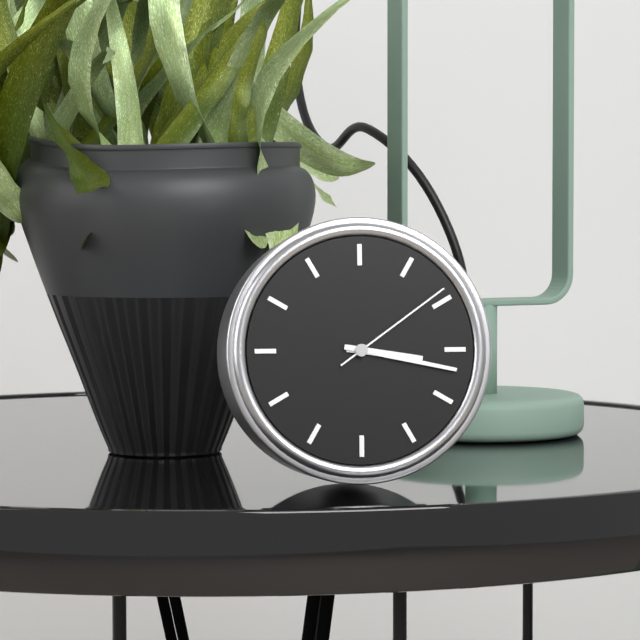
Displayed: 3 h 17 min 09 s
